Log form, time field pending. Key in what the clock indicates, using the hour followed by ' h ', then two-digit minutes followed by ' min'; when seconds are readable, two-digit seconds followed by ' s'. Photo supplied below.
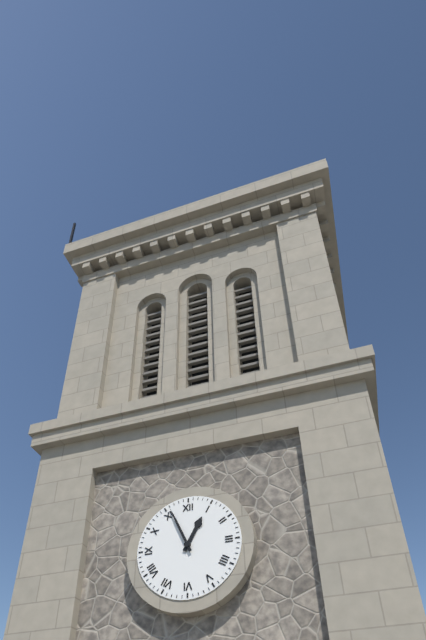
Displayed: 12 h 56 min
